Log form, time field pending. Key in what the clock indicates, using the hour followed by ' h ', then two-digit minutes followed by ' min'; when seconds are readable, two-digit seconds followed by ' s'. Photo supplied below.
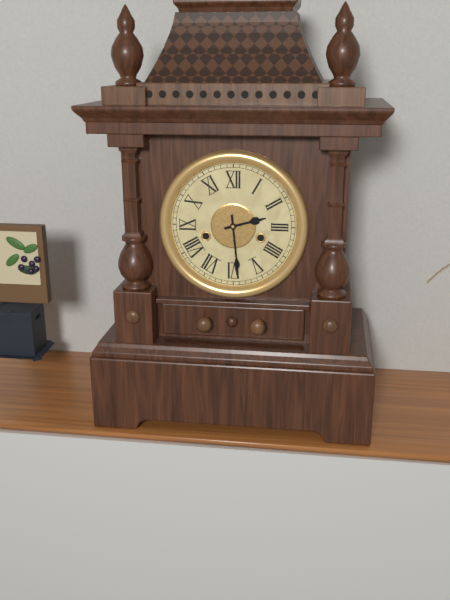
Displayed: 2 h 29 min
